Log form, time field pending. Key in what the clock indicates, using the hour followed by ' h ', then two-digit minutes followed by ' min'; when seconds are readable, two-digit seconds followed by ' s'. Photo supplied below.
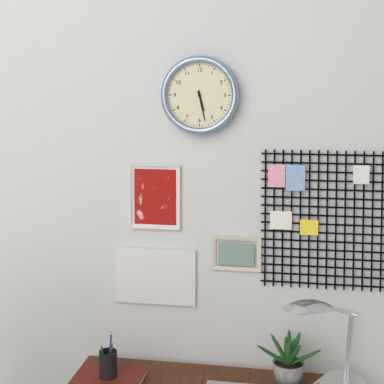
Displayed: 5 h 28 min
